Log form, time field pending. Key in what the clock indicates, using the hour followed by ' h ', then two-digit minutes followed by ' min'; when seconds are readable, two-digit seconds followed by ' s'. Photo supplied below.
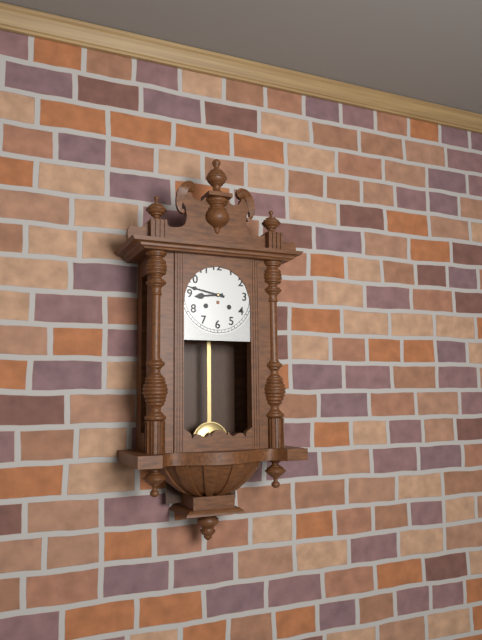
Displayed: 8 h 47 min
